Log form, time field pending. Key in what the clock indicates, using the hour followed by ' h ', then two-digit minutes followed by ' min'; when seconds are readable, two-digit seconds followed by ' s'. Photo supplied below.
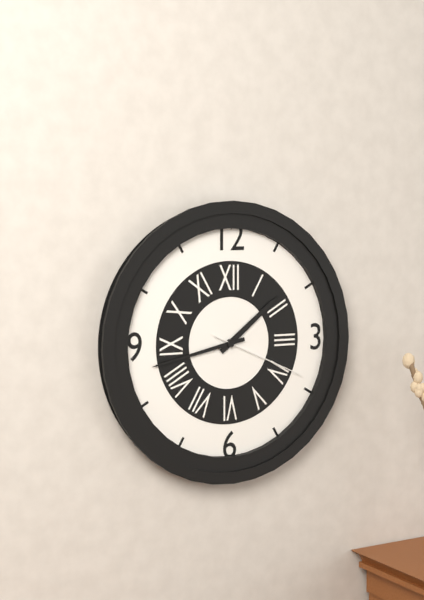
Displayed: 1 h 43 min 19 s
